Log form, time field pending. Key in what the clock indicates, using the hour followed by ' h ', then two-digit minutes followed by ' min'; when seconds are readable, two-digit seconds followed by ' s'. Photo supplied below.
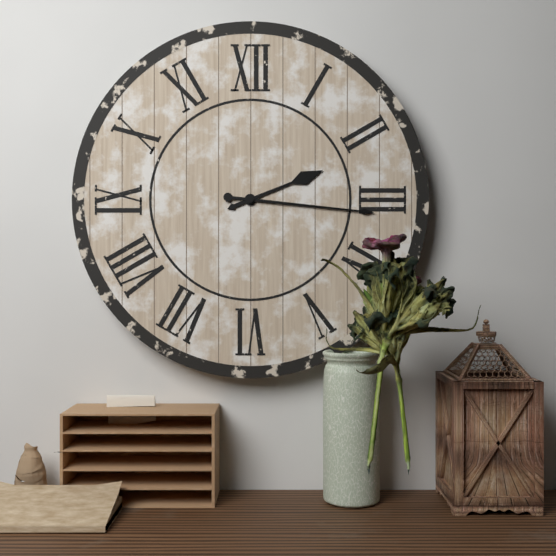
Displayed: 2 h 16 min
